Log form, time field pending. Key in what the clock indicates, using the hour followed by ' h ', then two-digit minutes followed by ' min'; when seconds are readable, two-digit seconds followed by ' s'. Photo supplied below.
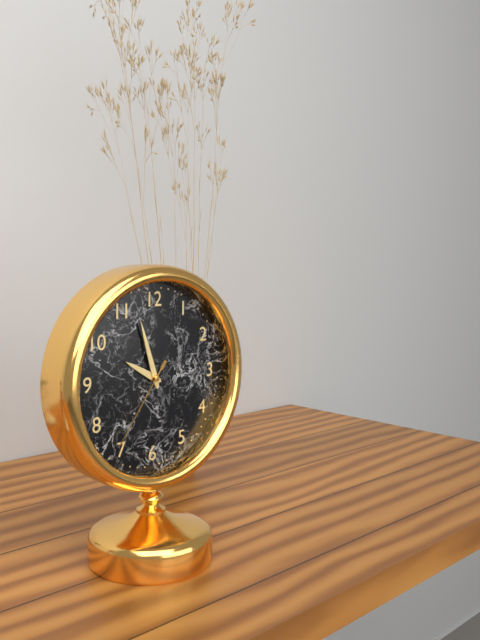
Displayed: 9 h 57 min 36 s
